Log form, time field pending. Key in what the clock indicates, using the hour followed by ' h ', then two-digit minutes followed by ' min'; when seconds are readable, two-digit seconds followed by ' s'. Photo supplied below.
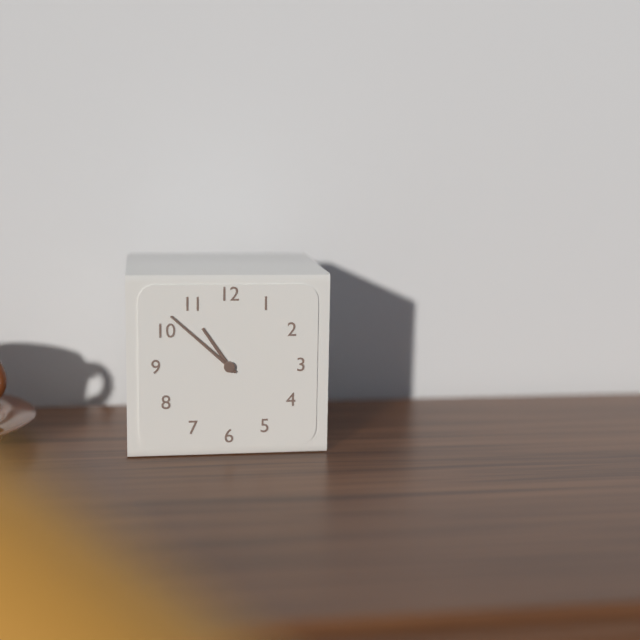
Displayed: 10 h 52 min
